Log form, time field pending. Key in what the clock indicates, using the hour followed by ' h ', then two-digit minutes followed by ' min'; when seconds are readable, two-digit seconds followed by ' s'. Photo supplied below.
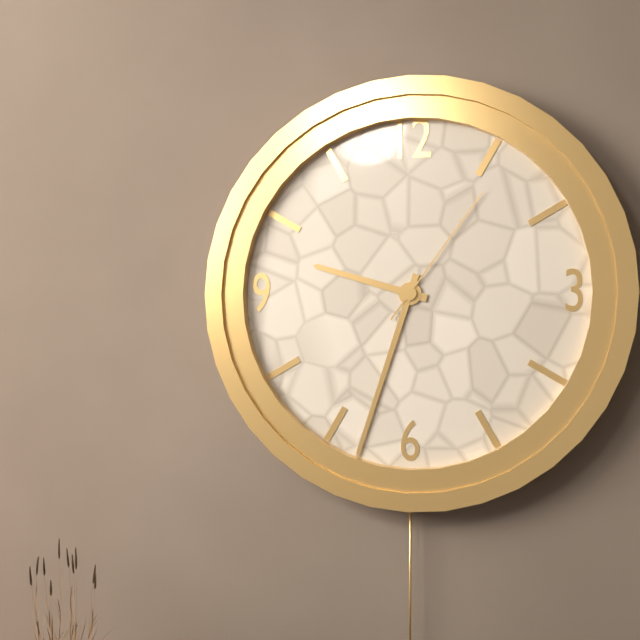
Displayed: 9 h 33 min 06 s
